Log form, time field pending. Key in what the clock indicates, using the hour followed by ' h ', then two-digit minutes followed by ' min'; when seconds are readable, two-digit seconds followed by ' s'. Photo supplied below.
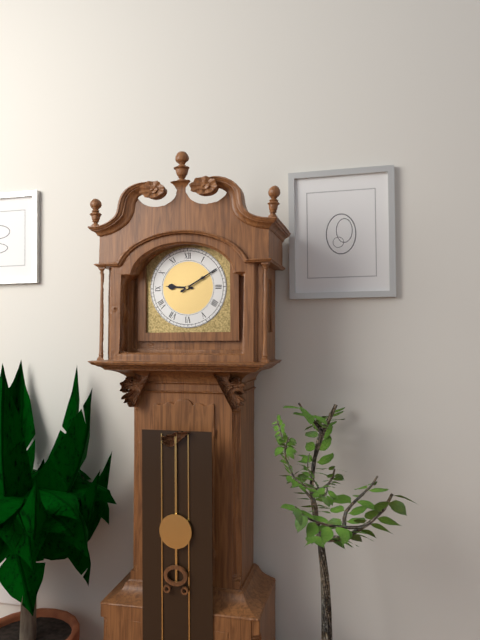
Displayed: 9 h 10 min
